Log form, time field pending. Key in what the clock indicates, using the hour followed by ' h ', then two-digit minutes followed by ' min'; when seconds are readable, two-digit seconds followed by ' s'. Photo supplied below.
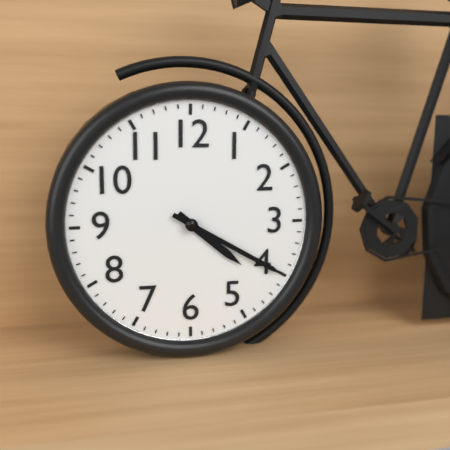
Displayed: 4 h 20 min
